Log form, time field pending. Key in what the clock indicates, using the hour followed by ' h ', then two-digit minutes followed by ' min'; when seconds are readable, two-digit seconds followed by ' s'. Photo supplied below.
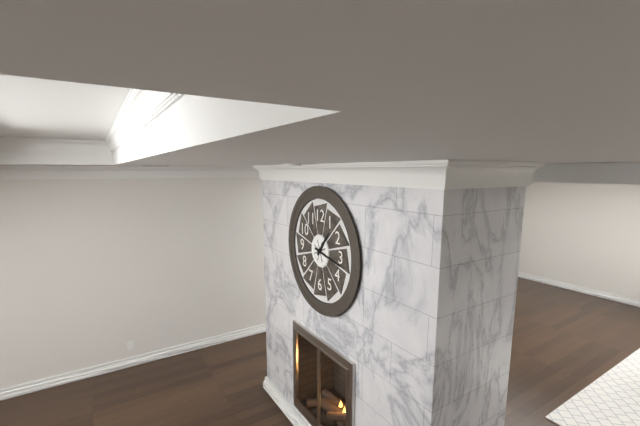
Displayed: 1 h 17 min
